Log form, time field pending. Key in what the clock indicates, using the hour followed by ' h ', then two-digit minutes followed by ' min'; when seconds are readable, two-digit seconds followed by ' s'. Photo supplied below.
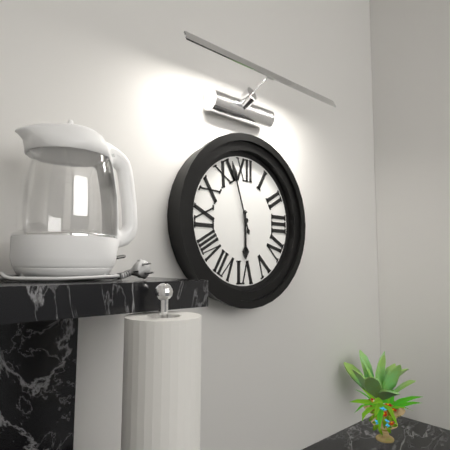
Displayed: 5 h 57 min
